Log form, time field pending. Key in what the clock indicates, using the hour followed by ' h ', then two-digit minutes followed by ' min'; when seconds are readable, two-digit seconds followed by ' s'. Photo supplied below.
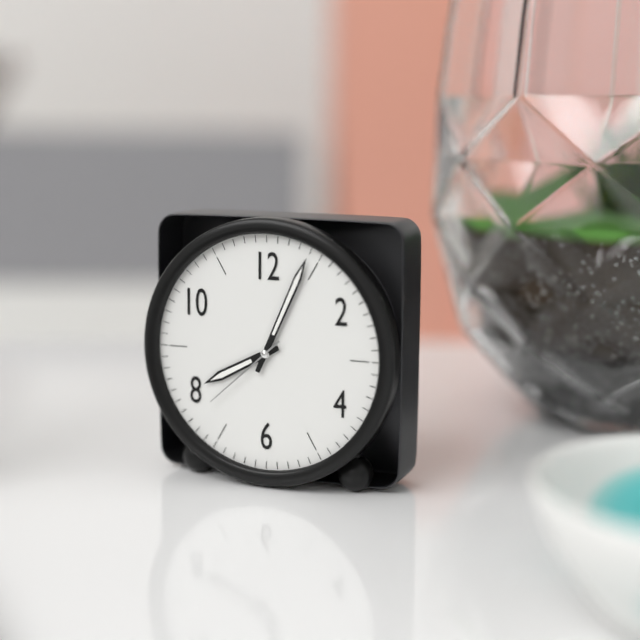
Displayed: 8 h 04 min 38 s
